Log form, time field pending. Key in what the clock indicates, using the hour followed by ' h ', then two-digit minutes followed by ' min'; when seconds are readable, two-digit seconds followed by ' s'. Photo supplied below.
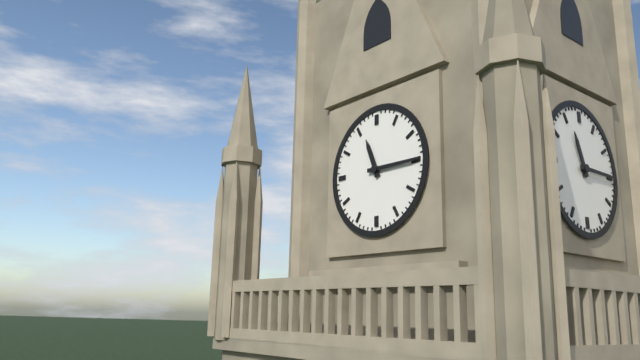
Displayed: 11 h 15 min
